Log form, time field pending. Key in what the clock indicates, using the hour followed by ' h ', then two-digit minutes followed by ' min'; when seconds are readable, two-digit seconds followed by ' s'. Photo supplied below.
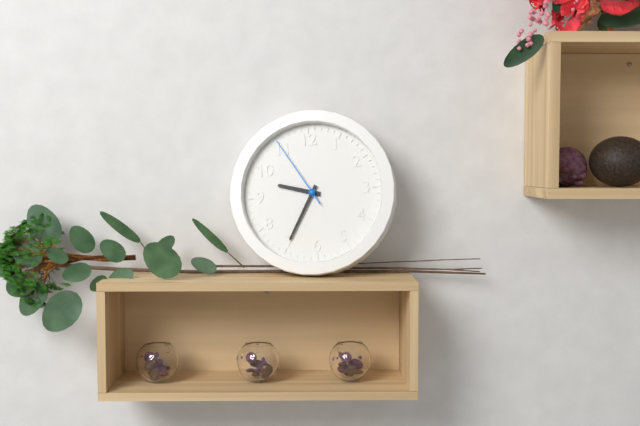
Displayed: 9 h 35 min 55 s
